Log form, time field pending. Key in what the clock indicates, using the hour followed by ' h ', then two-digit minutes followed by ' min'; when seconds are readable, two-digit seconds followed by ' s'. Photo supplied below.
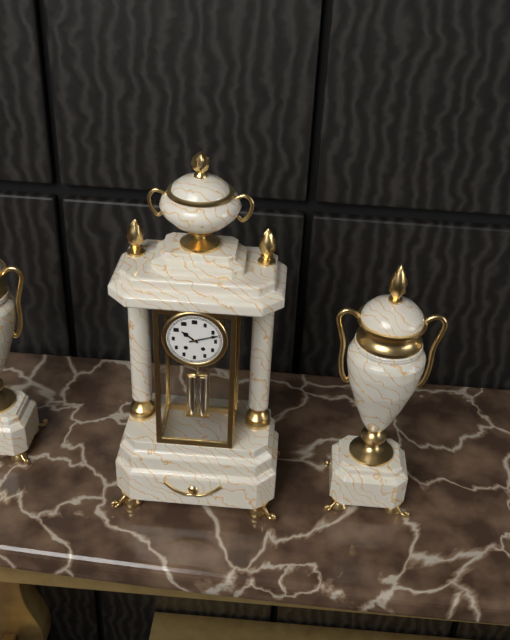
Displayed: 10 h 12 min
